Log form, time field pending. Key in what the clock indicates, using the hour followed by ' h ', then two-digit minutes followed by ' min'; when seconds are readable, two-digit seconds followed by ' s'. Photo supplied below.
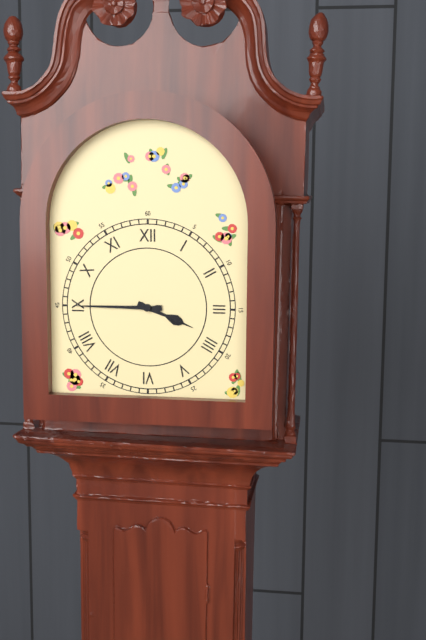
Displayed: 3 h 45 min
